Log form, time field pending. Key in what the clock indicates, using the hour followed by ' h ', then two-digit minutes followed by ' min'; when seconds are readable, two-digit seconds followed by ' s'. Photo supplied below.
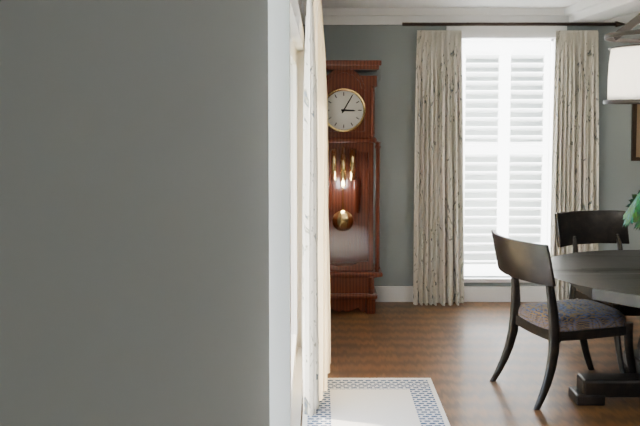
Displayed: 3 h 05 min
